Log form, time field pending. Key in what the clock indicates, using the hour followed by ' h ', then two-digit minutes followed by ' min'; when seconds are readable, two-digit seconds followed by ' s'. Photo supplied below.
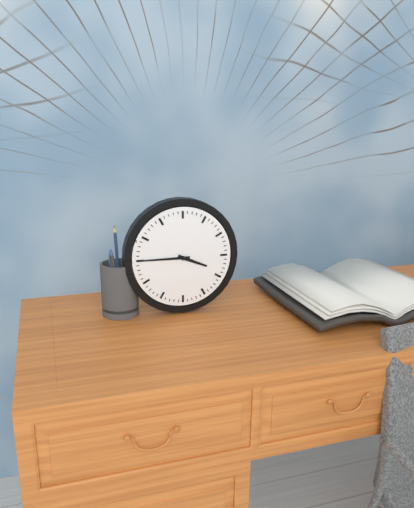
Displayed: 3 h 45 min
